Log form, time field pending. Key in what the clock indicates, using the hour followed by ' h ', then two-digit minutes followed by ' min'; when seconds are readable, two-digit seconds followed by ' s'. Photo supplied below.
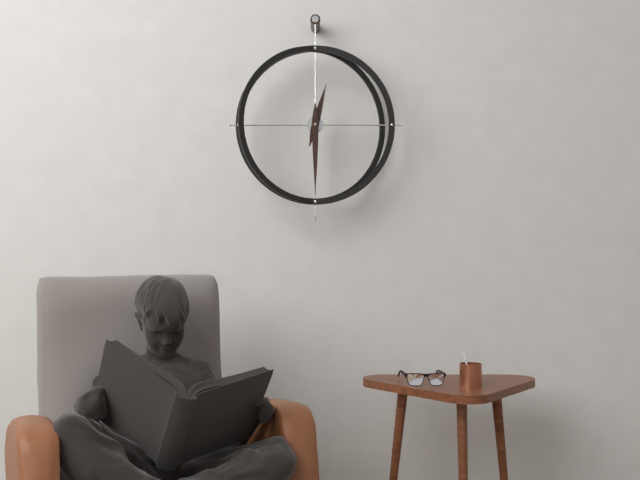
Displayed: 12 h 30 min
